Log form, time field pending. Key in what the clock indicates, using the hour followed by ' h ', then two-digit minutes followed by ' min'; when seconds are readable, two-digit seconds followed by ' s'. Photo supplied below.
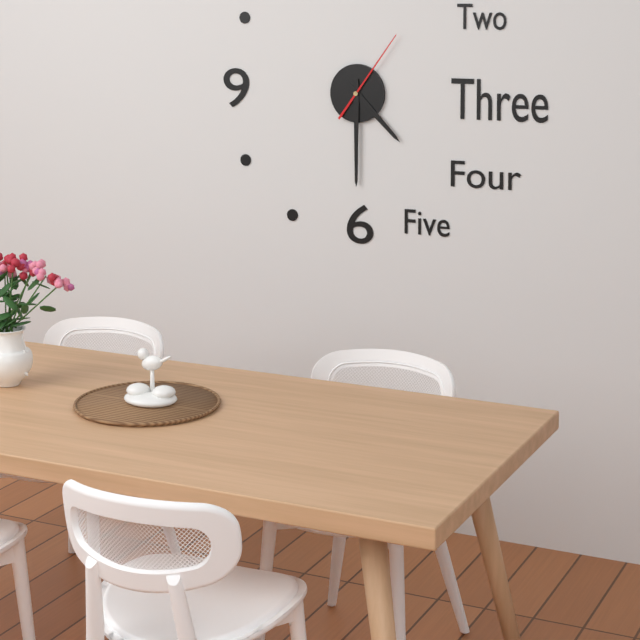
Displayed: 4 h 30 min 06 s
